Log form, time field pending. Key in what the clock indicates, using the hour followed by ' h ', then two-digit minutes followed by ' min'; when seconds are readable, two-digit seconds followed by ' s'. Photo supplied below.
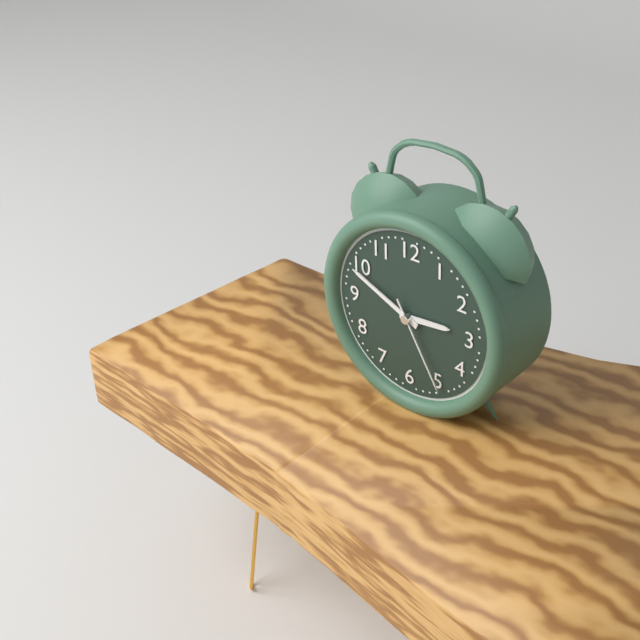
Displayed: 2 h 49 min 25 s
